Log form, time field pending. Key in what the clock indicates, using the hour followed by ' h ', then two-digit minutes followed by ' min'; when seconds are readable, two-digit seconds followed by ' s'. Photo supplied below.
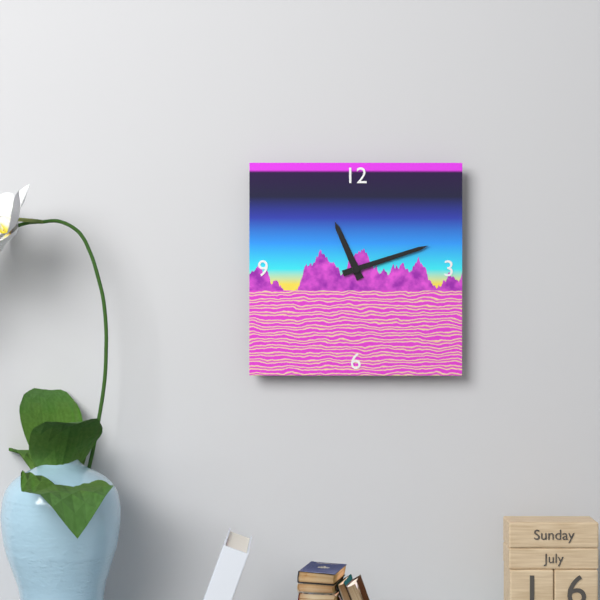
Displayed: 11 h 12 min
